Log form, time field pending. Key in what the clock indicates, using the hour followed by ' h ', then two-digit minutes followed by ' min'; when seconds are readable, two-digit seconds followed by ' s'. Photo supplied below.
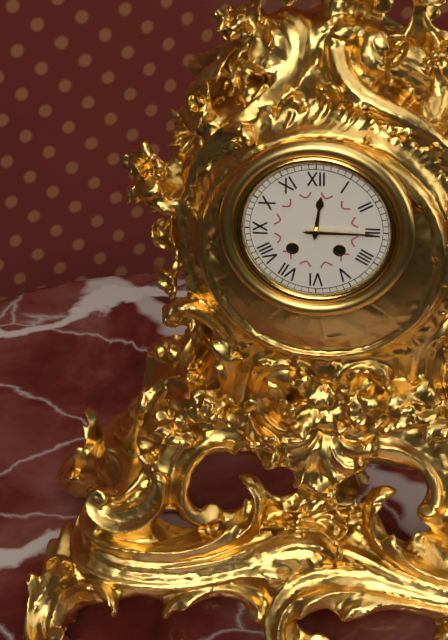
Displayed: 12 h 15 min
